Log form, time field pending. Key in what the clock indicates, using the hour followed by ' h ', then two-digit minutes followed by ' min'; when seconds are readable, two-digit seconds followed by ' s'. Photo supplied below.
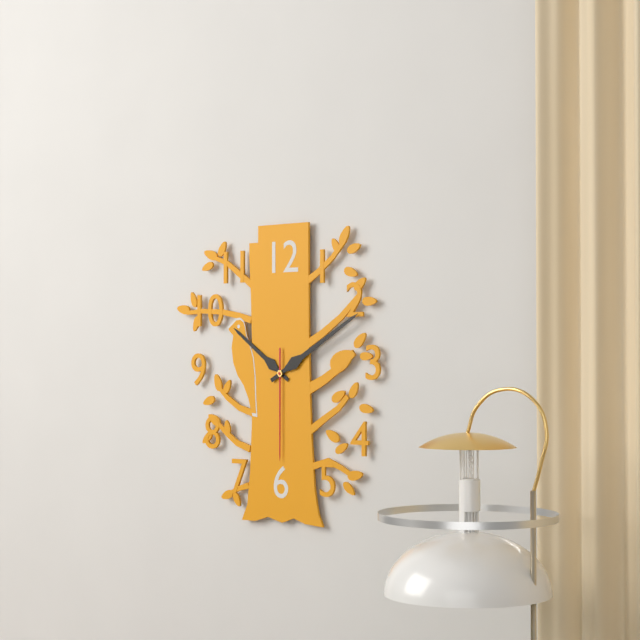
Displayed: 10 h 10 min 30 s
